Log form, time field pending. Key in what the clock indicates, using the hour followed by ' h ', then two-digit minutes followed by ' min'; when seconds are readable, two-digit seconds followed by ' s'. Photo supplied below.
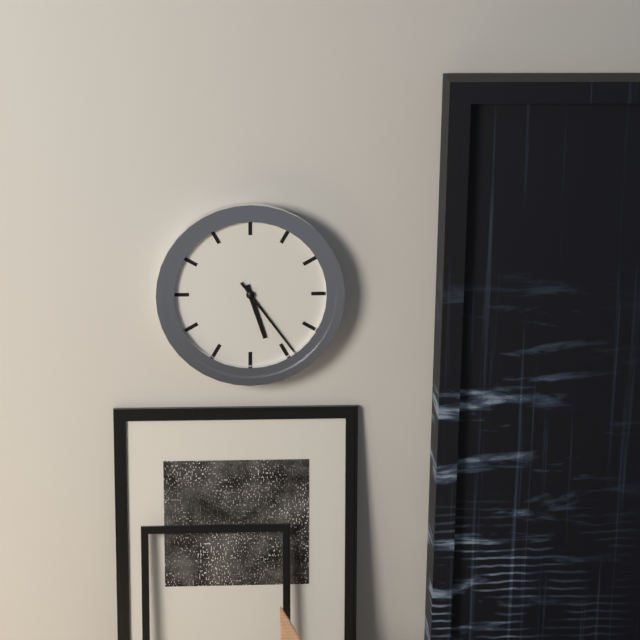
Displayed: 5 h 24 min
